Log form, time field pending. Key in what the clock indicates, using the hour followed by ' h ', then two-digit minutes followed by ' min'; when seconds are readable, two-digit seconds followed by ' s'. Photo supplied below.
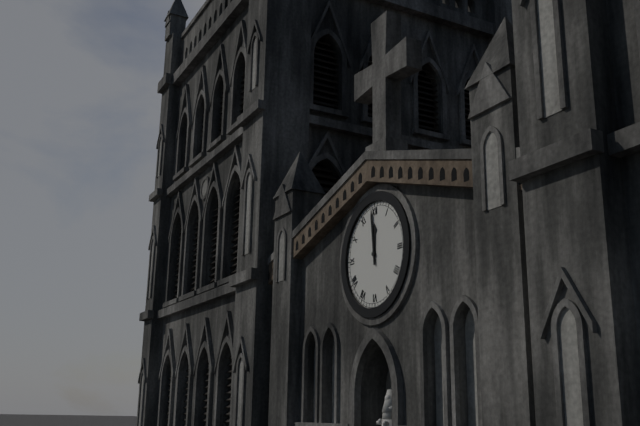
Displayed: 11 h 59 min
